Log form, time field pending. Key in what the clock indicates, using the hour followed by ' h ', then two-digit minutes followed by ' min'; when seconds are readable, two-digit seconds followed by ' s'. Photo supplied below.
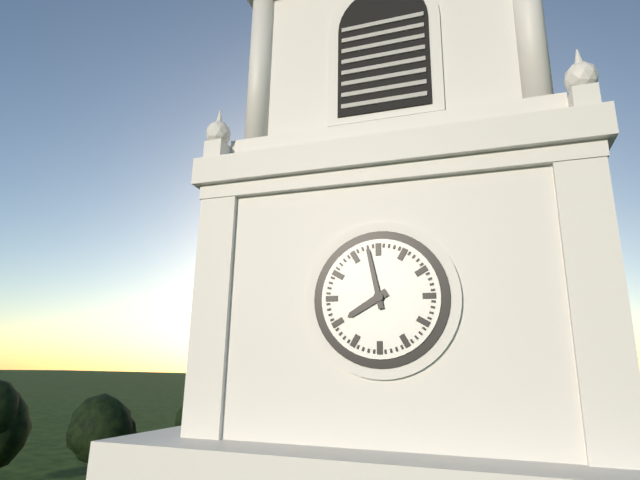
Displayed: 7 h 58 min
